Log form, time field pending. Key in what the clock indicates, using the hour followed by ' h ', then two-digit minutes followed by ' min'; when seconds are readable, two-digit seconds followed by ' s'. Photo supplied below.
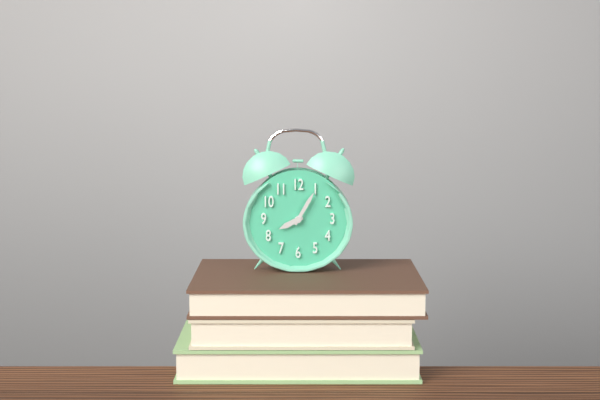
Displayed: 8 h 05 min
